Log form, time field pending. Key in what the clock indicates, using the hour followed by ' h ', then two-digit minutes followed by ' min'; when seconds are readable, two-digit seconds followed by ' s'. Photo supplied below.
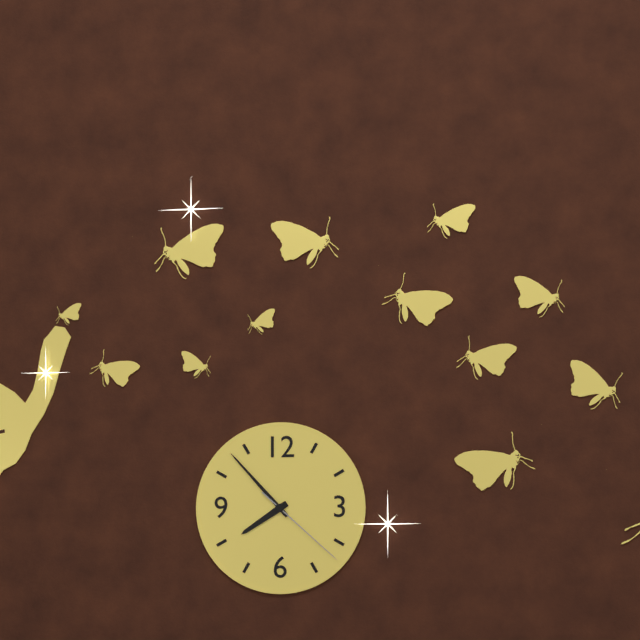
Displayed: 7 h 53 min 22 s
